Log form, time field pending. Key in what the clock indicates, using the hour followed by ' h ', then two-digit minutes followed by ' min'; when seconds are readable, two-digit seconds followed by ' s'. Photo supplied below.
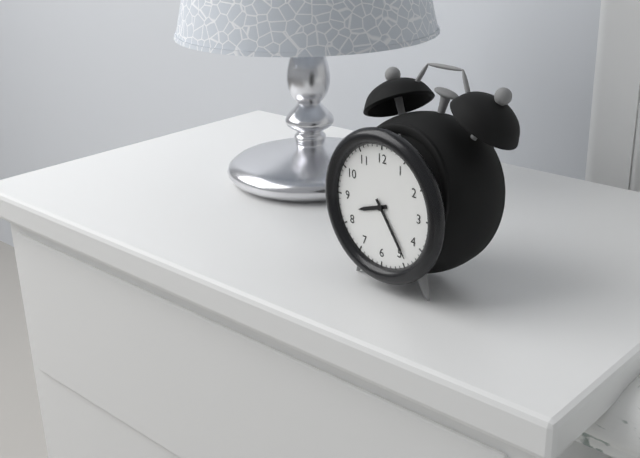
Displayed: 8 h 24 min
